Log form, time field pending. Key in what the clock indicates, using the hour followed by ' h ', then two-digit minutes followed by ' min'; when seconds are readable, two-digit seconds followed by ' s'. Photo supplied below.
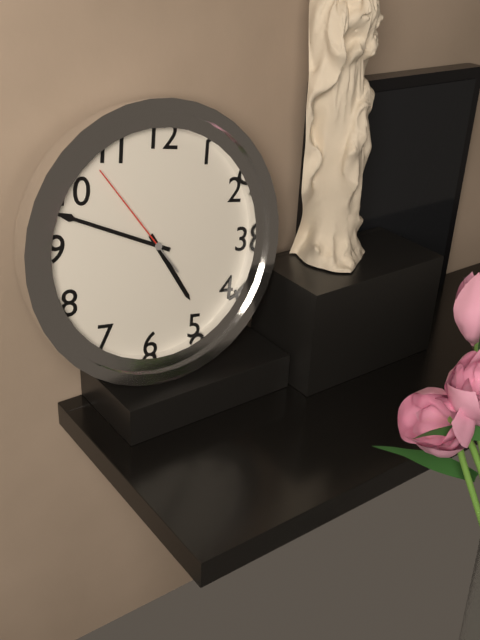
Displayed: 4 h 48 min 53 s
